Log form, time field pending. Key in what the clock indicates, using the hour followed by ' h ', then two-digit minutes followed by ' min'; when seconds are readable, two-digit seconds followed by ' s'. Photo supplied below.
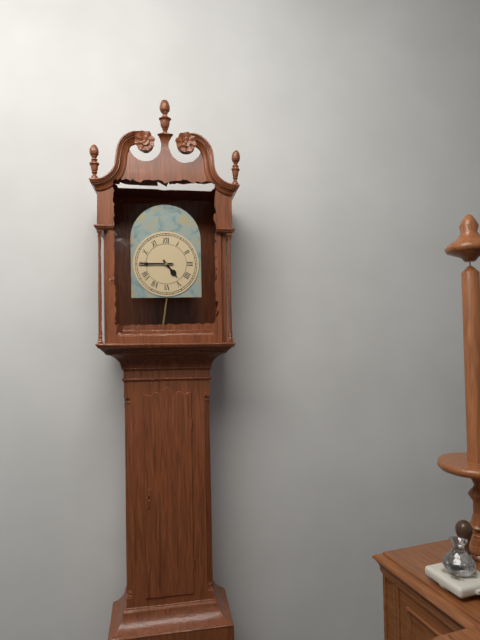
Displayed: 4 h 45 min
